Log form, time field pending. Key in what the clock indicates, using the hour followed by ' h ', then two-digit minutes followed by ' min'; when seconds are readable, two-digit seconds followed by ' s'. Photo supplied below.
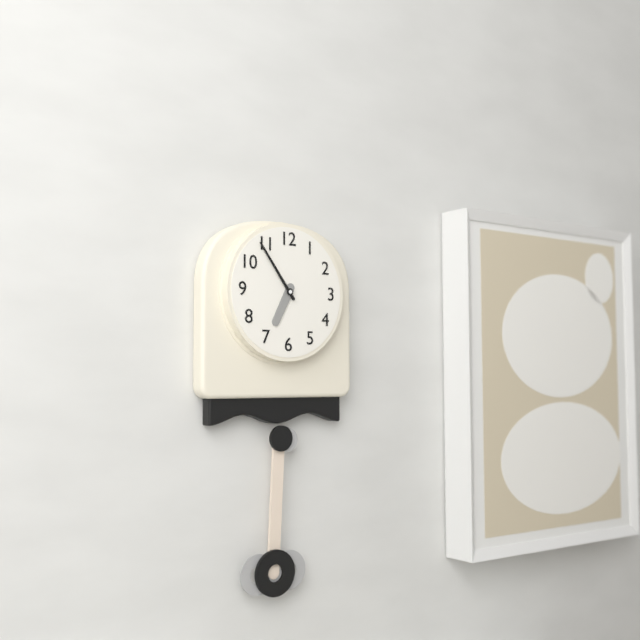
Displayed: 6 h 54 min
